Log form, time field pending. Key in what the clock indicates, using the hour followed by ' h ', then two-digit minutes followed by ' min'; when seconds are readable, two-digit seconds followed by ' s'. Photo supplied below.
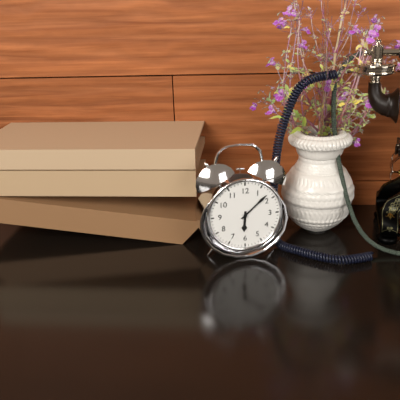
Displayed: 6 h 08 min
